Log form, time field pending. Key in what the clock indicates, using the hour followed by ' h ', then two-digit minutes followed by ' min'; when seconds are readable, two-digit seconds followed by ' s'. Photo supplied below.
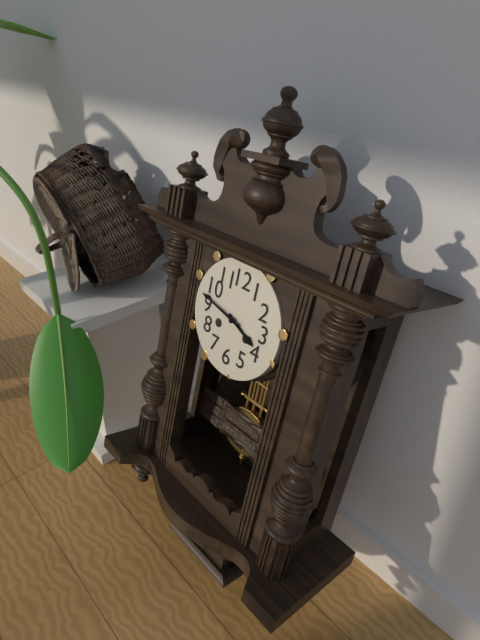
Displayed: 3 h 47 min
